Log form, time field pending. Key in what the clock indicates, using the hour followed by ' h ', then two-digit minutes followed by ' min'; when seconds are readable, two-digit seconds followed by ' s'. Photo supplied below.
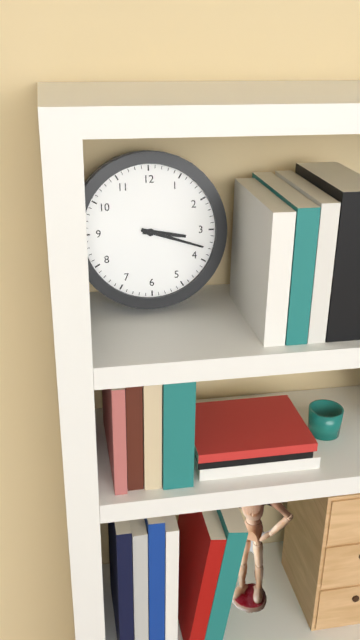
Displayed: 3 h 18 min
